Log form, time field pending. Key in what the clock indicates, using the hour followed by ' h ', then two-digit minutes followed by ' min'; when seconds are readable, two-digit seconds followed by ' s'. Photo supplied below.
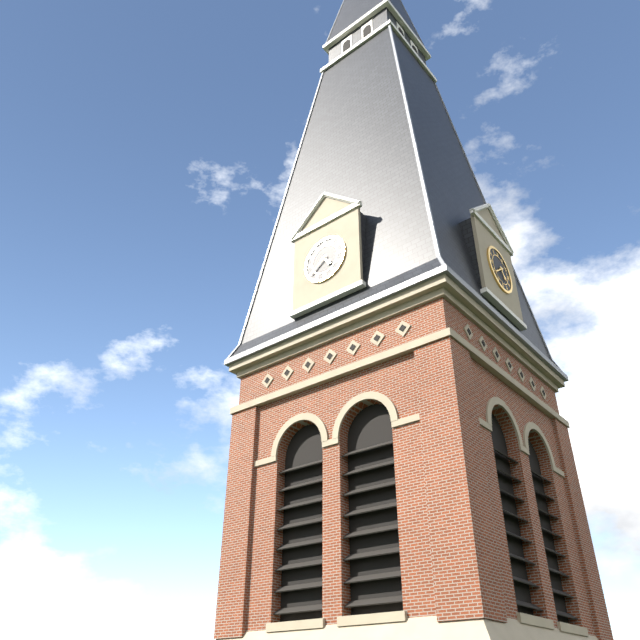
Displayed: 4 h 39 min
